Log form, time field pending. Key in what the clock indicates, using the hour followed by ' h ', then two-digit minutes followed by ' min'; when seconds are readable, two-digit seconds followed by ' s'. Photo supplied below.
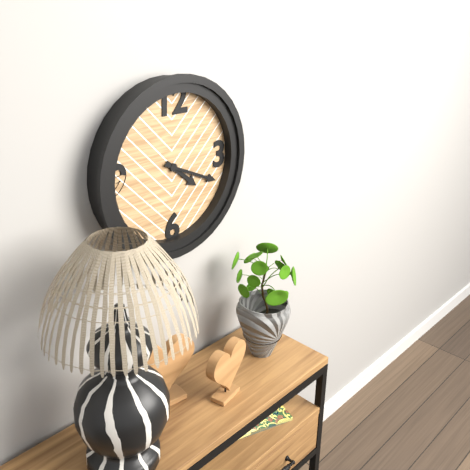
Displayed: 4 h 19 min
